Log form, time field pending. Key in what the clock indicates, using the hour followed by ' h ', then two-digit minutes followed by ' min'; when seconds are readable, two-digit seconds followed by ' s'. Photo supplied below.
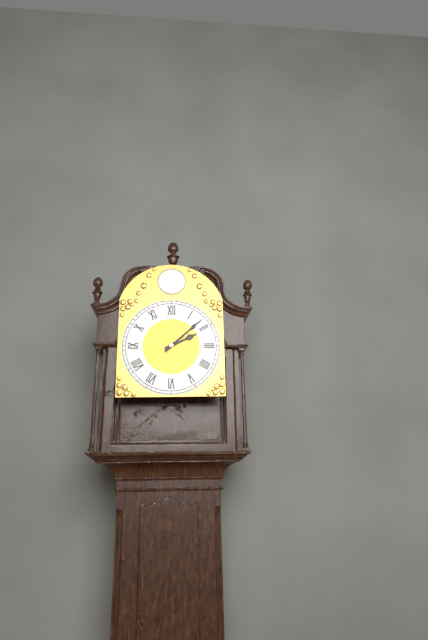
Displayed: 2 h 08 min
